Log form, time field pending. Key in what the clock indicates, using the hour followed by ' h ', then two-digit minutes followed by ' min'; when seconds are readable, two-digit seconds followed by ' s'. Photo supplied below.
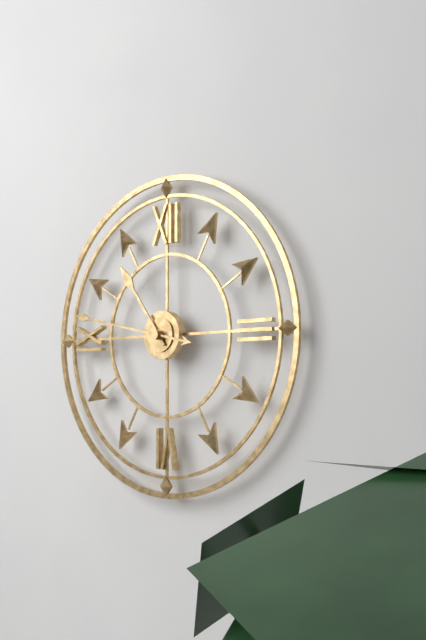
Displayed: 10 h 47 min
